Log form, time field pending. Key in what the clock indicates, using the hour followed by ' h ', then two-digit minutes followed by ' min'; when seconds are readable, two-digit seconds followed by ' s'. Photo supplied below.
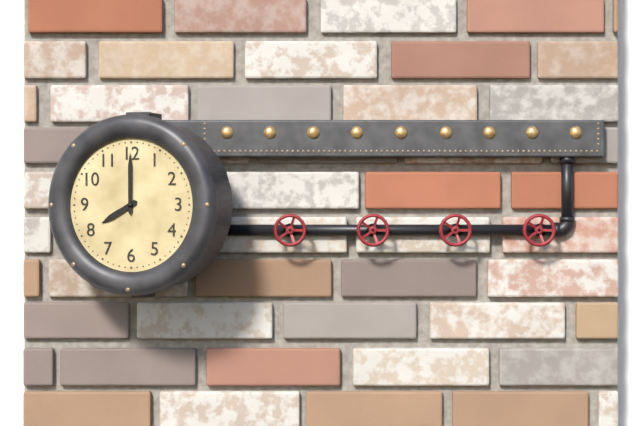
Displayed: 8 h 00 min
